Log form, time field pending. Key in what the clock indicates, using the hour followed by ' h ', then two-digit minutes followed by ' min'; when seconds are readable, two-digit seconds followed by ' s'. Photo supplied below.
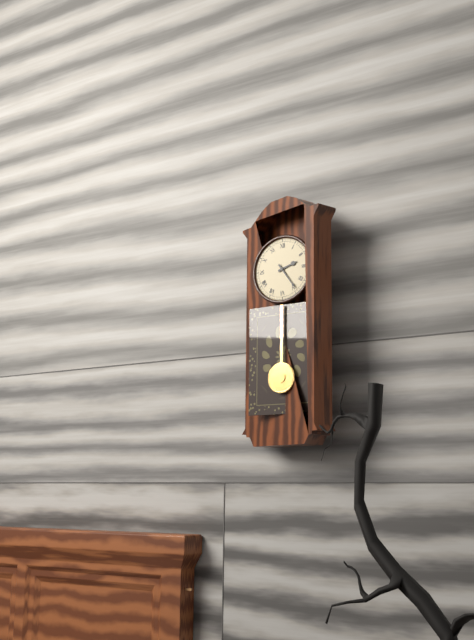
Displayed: 2 h 24 min
